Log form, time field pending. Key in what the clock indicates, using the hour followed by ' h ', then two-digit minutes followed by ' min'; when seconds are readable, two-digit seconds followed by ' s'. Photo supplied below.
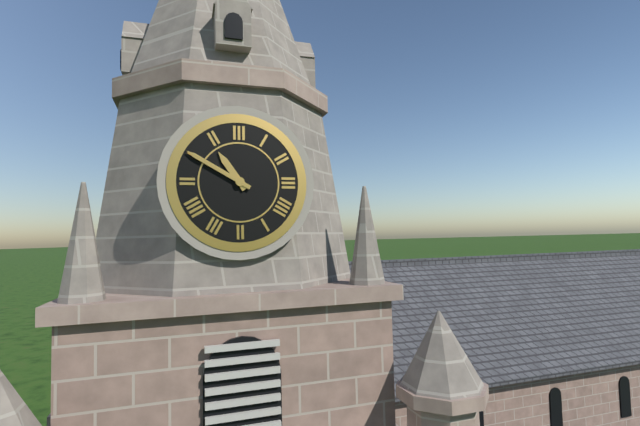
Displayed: 10 h 50 min
